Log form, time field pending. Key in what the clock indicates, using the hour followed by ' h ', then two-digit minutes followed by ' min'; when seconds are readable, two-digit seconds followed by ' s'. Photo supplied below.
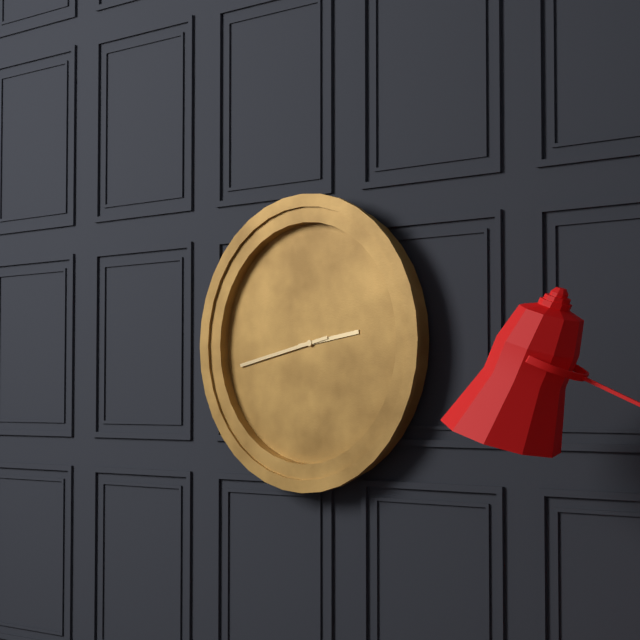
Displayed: 2 h 43 min
